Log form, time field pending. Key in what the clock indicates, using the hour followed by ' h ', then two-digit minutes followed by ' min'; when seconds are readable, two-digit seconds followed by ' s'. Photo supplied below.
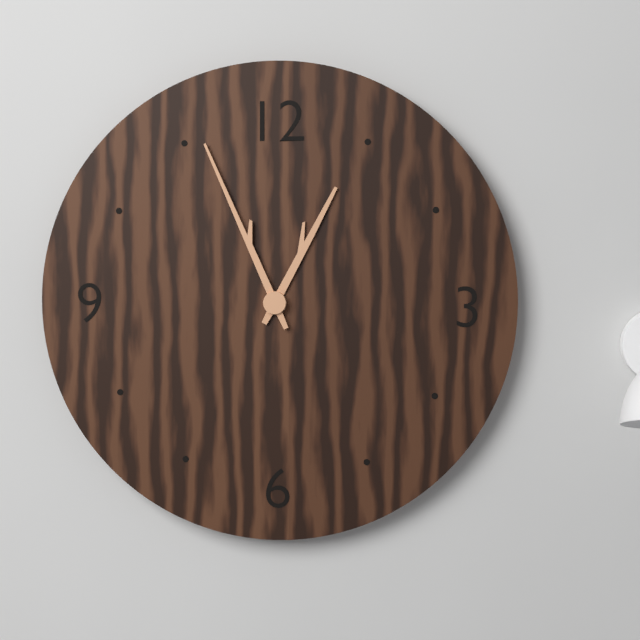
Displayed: 12 h 56 min
